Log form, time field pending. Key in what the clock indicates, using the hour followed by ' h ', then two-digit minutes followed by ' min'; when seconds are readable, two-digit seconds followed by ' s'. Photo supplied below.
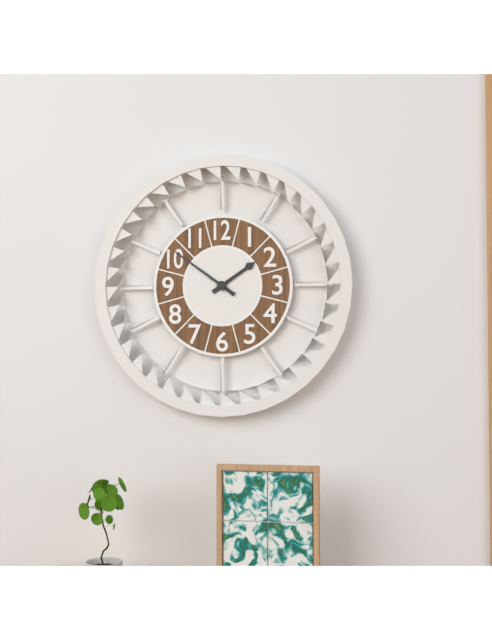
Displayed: 1 h 51 min
